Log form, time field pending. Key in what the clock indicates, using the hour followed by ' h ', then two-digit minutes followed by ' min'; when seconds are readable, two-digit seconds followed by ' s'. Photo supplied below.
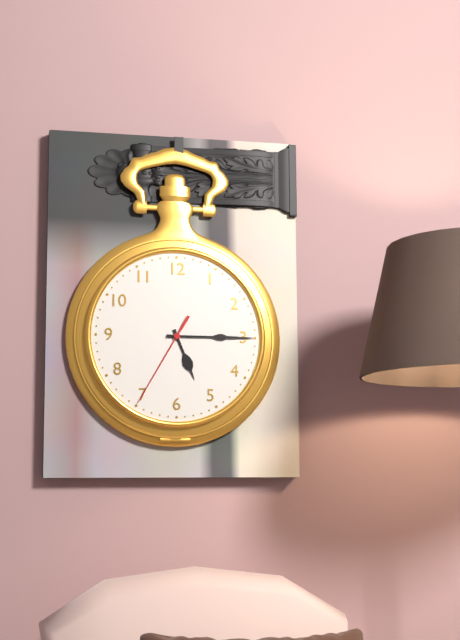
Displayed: 5 h 15 min 35 s
